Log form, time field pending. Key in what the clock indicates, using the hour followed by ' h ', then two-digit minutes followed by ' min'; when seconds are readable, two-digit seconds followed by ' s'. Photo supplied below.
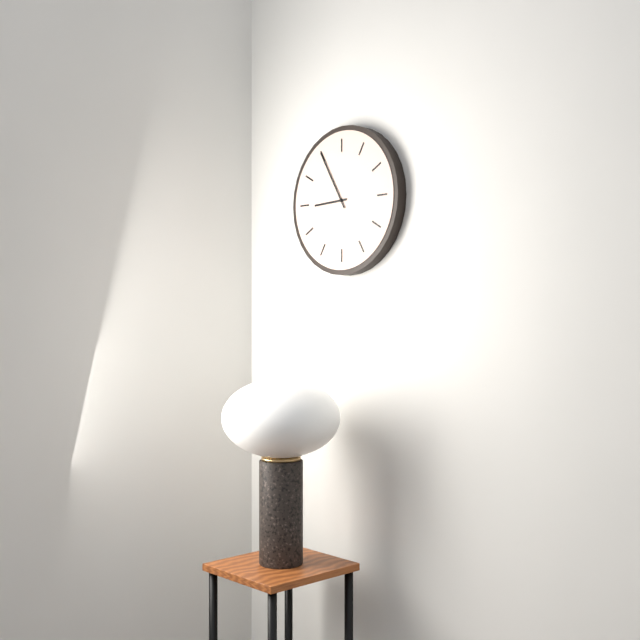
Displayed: 8 h 55 min
